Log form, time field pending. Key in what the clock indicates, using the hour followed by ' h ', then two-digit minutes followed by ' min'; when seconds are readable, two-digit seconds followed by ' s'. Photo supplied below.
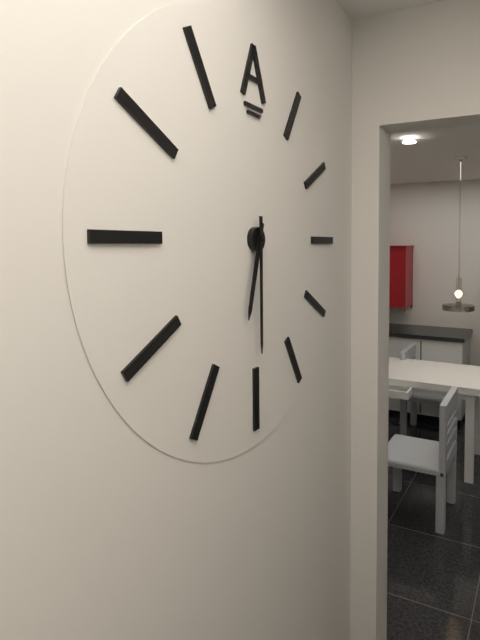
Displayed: 6 h 30 min
